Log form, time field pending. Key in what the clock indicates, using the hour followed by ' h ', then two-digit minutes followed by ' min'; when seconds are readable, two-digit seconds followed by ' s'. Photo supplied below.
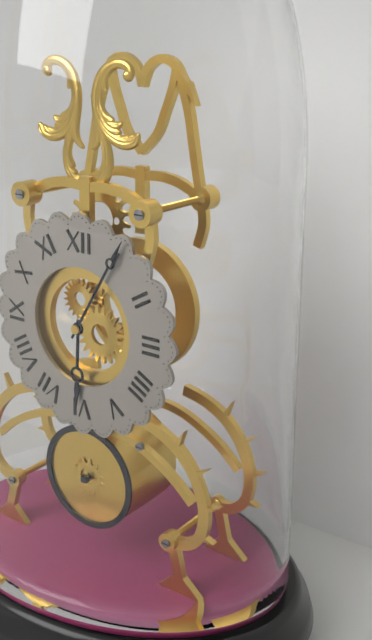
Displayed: 6 h 05 min
